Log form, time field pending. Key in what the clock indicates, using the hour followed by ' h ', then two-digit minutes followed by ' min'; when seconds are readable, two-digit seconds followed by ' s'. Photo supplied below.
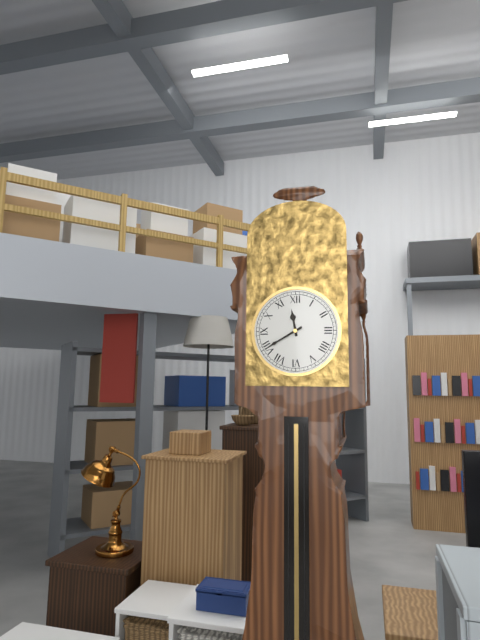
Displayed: 11 h 40 min
